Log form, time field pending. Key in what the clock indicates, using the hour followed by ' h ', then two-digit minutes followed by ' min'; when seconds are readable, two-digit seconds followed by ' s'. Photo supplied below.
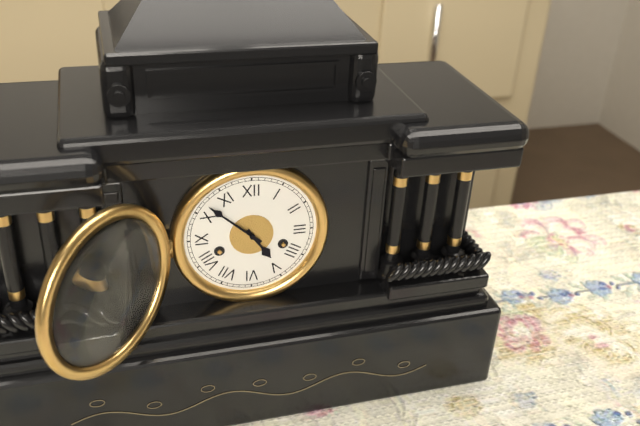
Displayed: 4 h 52 min
